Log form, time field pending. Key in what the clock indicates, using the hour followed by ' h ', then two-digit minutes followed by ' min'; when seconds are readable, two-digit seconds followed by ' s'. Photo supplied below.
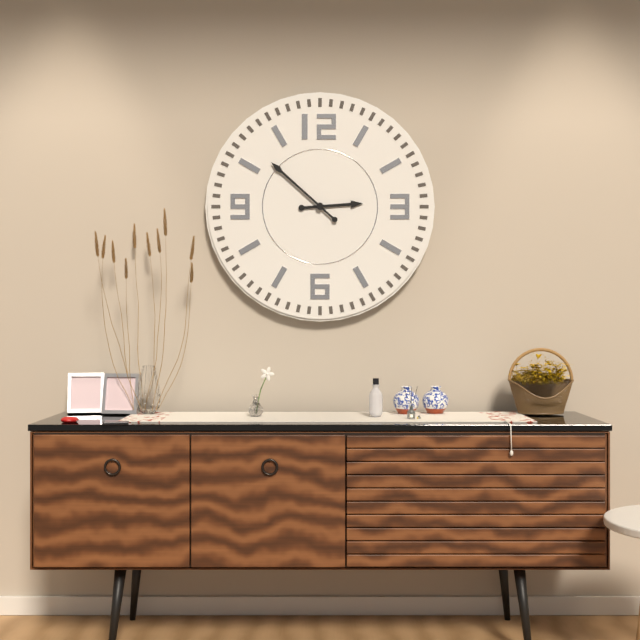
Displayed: 2 h 52 min
